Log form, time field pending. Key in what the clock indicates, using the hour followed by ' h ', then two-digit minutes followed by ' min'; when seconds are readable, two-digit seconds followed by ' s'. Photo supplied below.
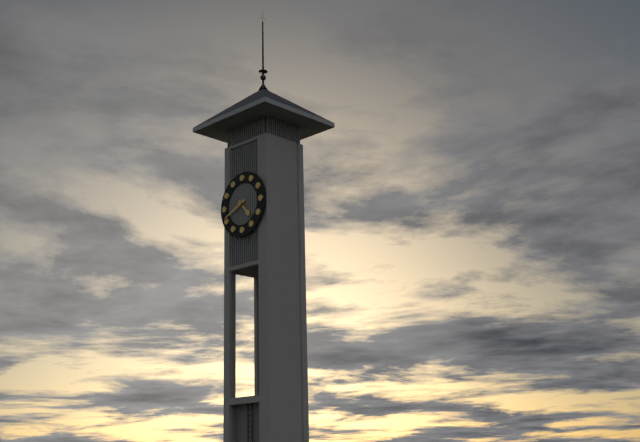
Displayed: 4 h 41 min
